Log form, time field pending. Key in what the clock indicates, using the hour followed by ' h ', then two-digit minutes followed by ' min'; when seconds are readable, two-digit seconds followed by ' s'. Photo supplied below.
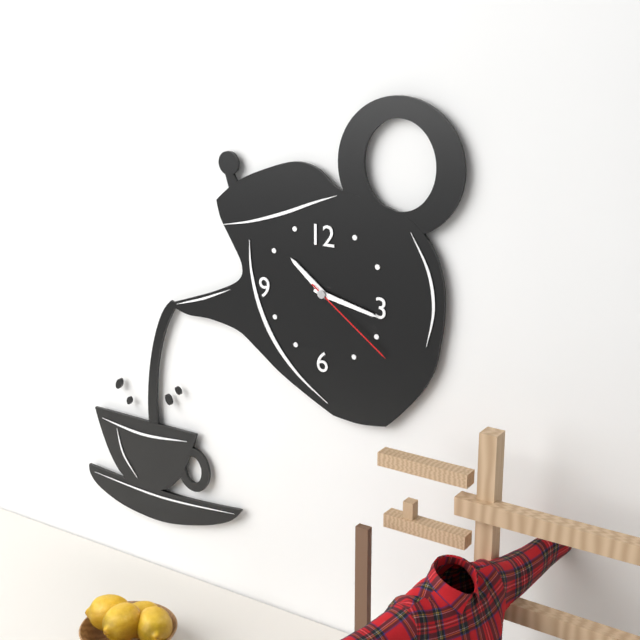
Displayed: 10 h 17 min 21 s
